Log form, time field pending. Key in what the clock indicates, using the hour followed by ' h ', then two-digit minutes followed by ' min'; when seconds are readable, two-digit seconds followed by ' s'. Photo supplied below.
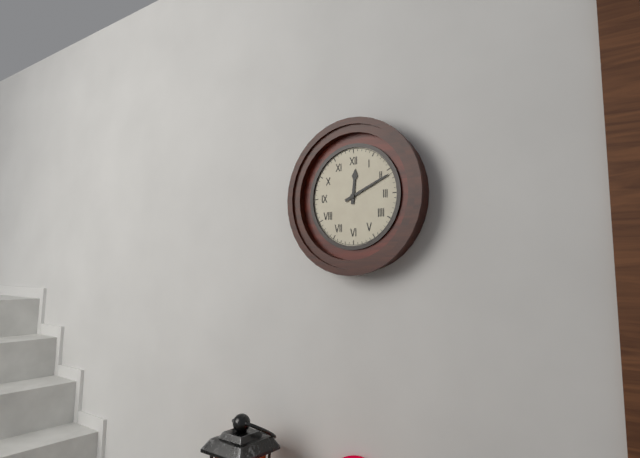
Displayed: 12 h 11 min
